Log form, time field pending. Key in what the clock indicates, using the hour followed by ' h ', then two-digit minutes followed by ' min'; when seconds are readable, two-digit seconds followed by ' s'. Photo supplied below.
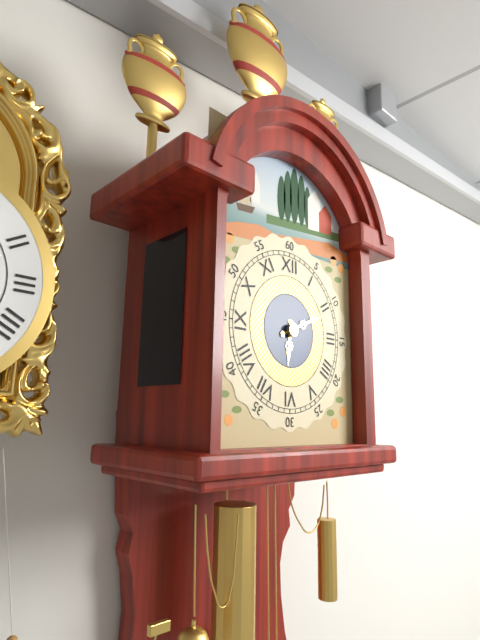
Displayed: 6 h 11 min
